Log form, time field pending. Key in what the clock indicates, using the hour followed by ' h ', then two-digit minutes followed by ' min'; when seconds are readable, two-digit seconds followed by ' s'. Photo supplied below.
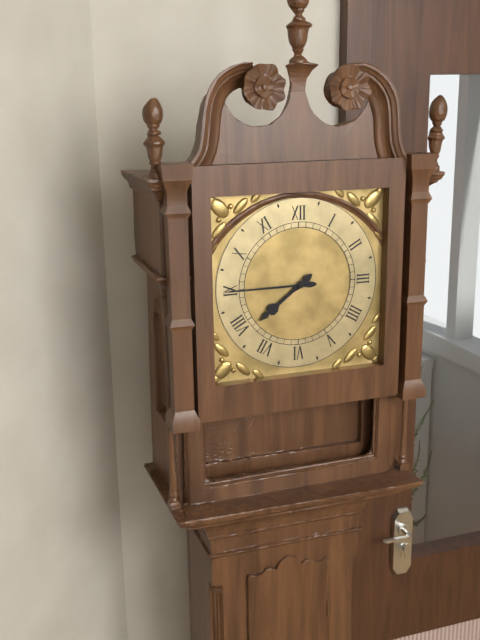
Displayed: 7 h 45 min
